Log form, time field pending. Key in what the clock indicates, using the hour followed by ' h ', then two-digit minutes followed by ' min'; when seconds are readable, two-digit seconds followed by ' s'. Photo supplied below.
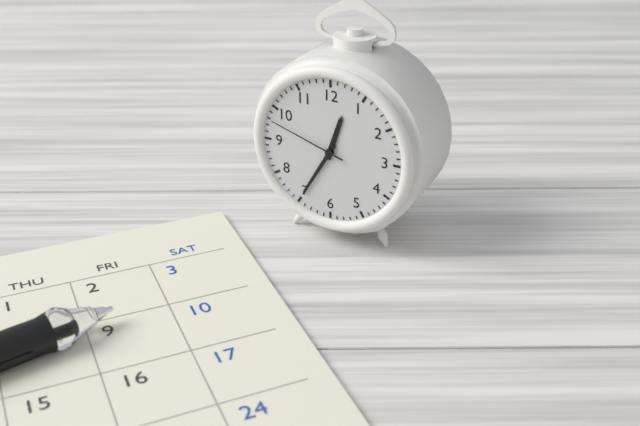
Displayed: 12 h 35 min 48 s
